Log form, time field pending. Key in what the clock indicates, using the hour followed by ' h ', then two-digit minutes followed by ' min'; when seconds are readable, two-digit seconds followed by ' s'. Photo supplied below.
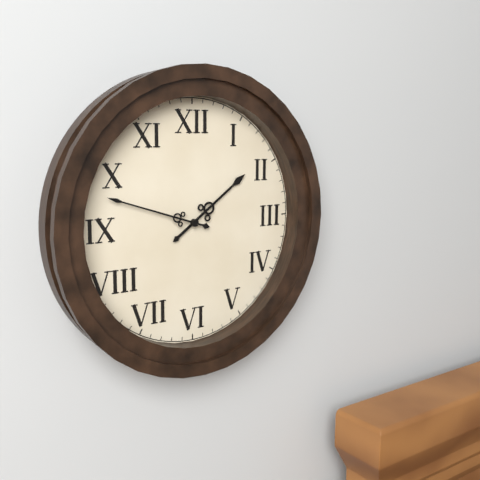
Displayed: 1 h 48 min
